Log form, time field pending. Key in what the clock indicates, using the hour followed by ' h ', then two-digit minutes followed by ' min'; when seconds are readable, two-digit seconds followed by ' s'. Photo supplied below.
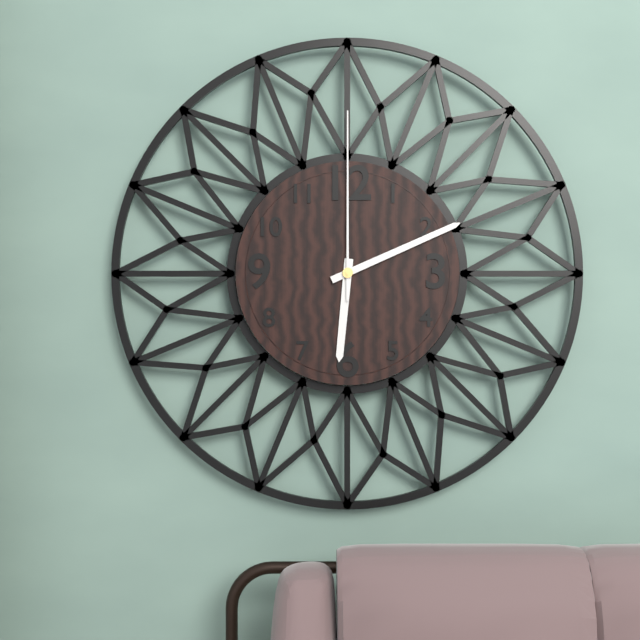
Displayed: 6 h 11 min 00 s
